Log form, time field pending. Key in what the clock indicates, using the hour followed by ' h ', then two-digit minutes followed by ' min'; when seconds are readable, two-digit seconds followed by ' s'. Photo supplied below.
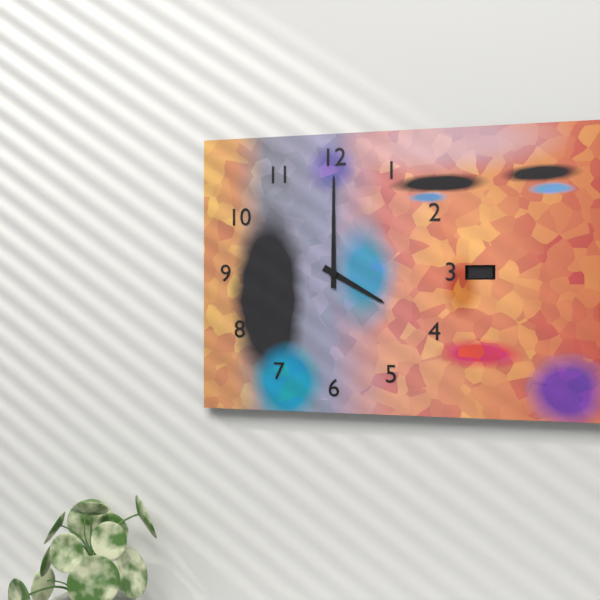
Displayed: 4 h 00 min
